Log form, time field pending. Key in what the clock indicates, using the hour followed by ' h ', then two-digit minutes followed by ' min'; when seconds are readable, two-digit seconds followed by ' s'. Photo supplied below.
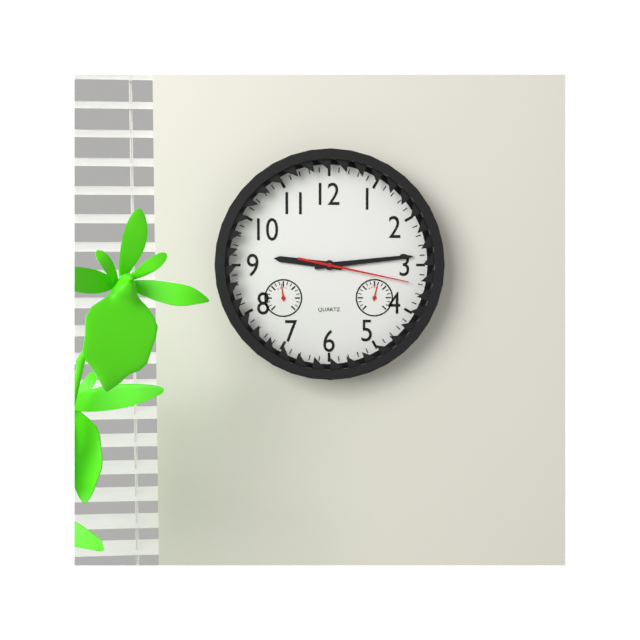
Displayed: 9 h 14 min 17 s
